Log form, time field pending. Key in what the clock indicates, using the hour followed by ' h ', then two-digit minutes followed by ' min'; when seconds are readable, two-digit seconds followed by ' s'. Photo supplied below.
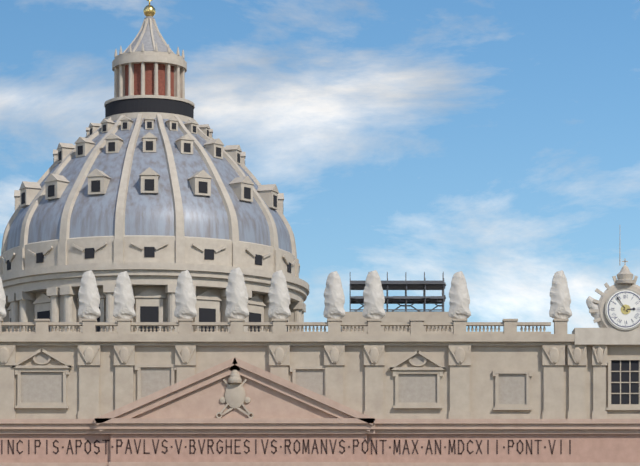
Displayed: 2 h 54 min
